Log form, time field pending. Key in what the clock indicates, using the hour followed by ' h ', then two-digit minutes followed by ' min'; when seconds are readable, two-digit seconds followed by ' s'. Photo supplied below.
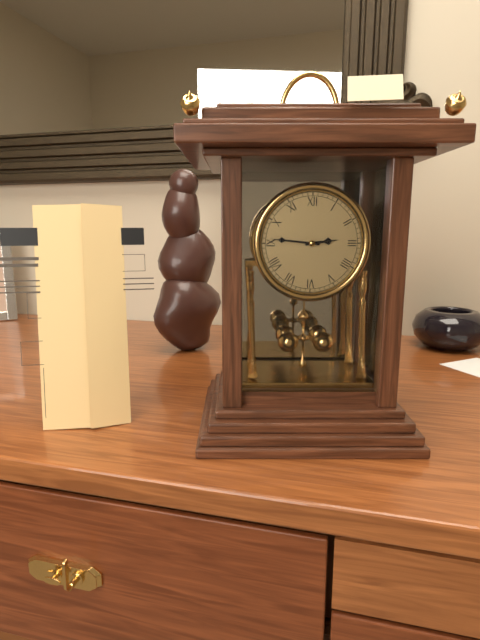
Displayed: 2 h 46 min
